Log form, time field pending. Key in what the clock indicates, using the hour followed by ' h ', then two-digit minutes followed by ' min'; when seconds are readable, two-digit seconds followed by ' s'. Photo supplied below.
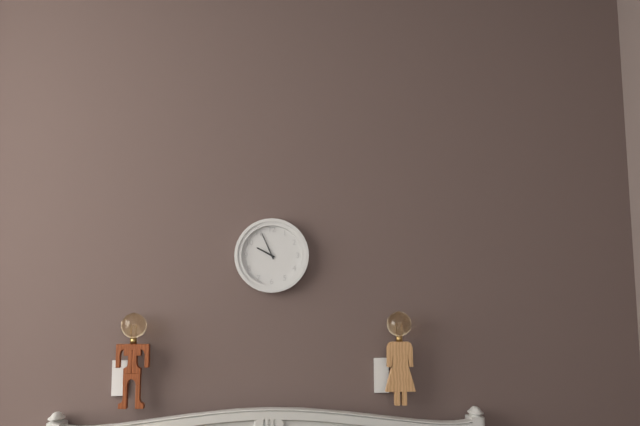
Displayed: 9 h 56 min
